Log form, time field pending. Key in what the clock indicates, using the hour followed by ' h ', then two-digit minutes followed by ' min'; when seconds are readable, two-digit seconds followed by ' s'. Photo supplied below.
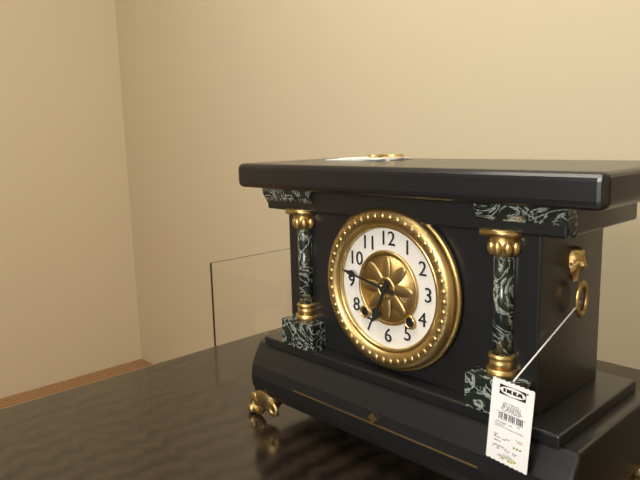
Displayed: 6 h 47 min
